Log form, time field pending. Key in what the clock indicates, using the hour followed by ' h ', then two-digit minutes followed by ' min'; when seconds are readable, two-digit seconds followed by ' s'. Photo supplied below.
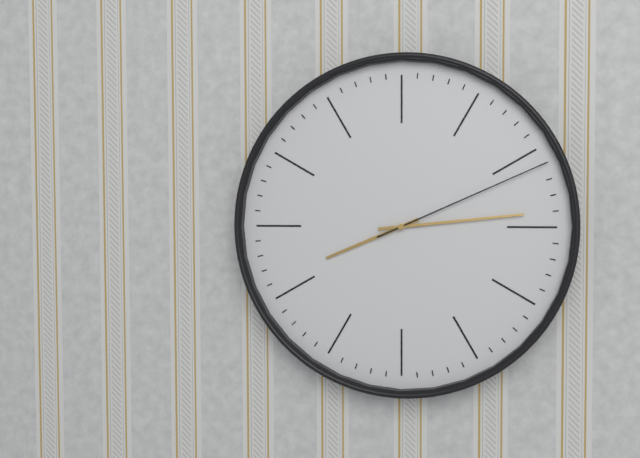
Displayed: 8 h 14 min 11 s
